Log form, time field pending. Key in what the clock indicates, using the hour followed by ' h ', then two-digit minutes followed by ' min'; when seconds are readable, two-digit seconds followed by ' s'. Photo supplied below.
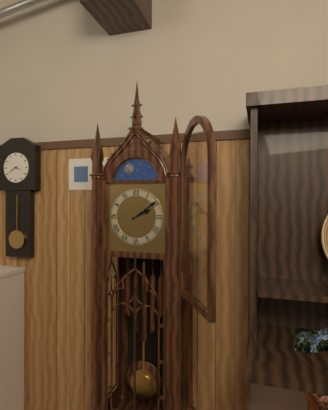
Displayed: 2 h 09 min
